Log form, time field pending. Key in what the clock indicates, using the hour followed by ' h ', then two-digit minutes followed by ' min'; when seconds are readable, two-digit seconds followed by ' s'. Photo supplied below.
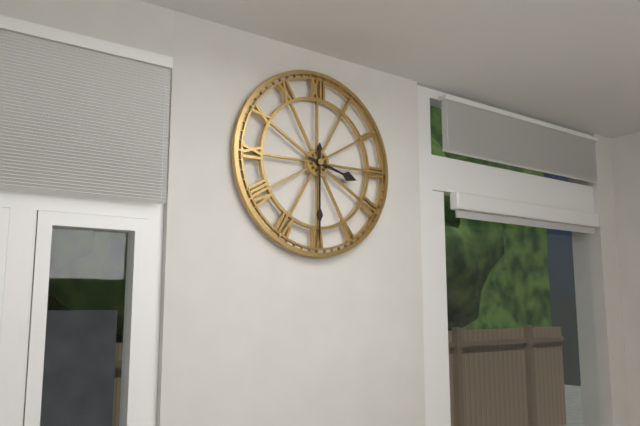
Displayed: 3 h 30 min
